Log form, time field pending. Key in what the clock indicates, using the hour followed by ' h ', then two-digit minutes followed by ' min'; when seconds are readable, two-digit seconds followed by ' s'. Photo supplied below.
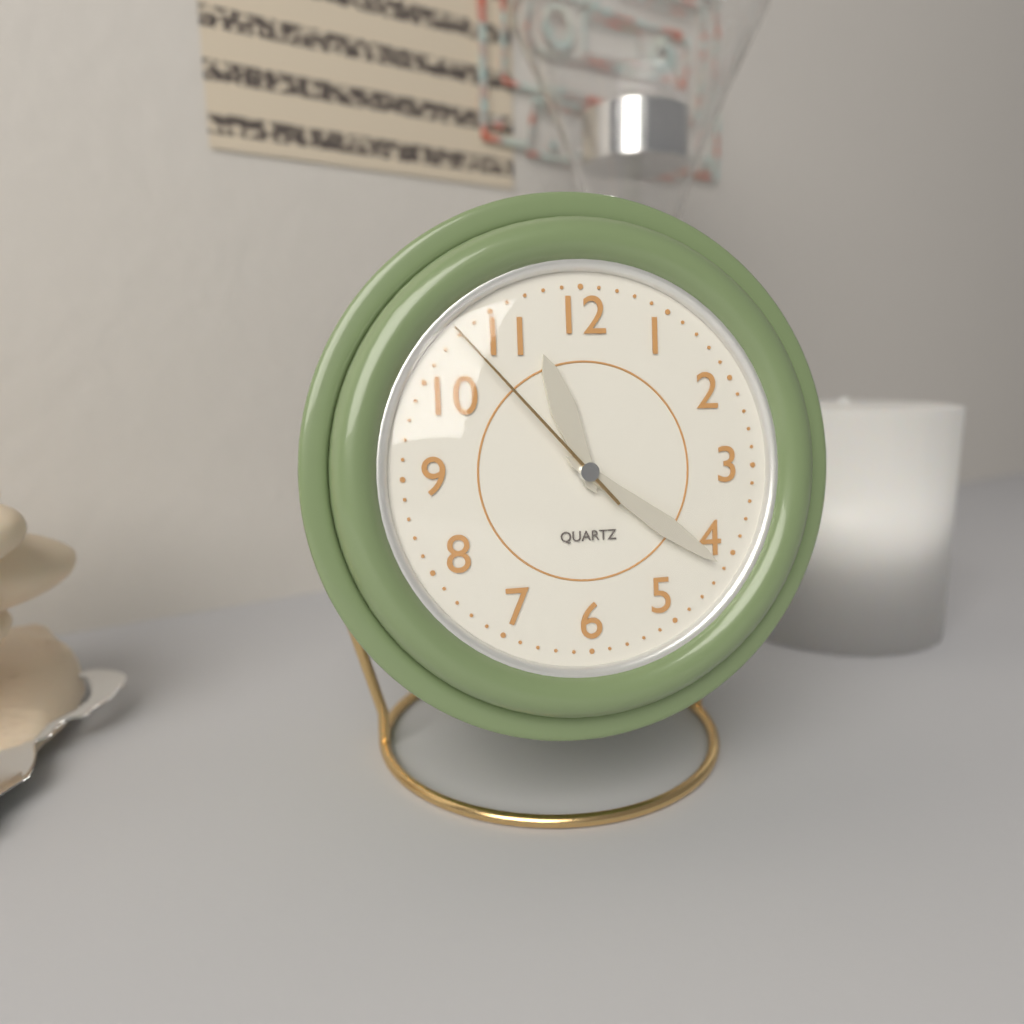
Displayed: 11 h 21 min 53 s
